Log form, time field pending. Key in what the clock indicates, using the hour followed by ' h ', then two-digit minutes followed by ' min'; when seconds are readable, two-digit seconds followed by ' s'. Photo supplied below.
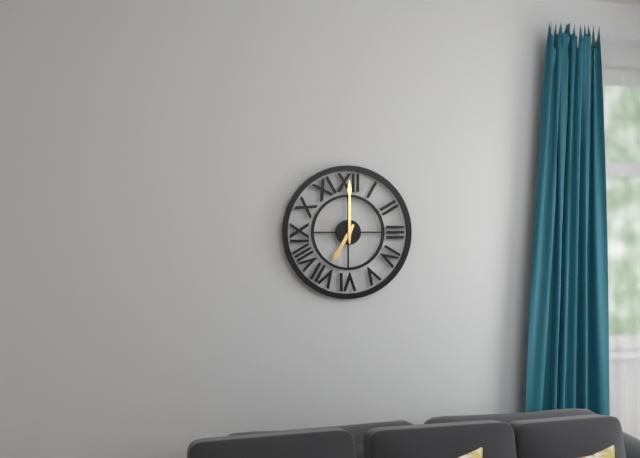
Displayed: 7 h 00 min
